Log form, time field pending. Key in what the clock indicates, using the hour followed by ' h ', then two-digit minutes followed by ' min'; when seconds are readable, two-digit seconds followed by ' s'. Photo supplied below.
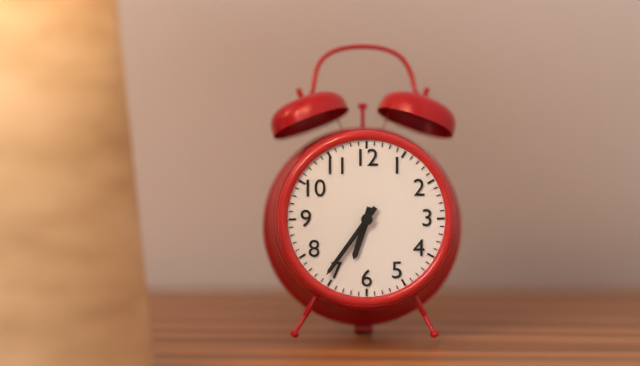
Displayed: 6 h 36 min
